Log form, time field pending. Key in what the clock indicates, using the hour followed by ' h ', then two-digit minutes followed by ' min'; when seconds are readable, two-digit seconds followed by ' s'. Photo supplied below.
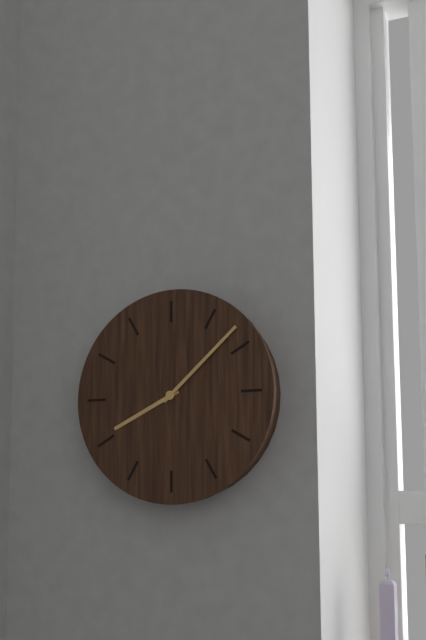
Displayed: 8 h 08 min
